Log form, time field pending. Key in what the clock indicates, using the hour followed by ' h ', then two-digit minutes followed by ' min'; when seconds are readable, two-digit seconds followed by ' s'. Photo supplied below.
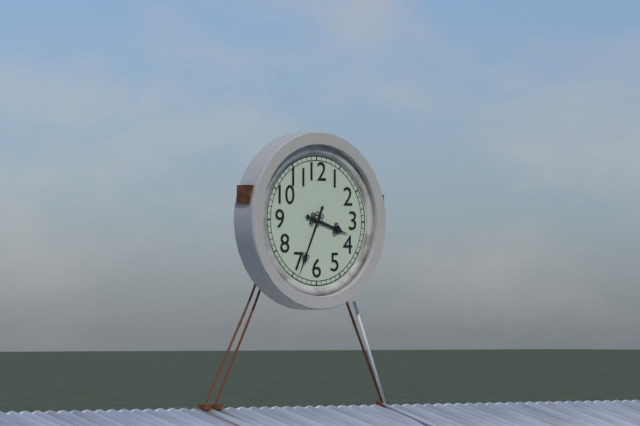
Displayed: 3 h 34 min
